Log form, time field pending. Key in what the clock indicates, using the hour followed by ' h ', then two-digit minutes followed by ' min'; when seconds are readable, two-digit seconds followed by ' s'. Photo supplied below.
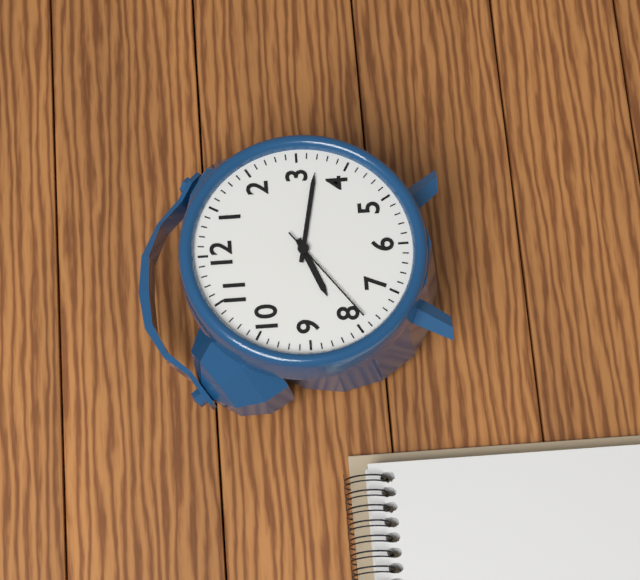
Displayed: 8 h 17 min 39 s
